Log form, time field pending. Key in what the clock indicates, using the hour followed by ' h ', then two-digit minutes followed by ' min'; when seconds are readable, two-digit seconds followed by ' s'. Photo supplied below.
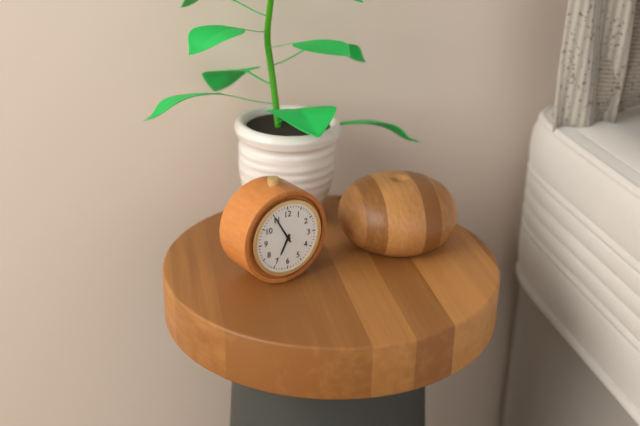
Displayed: 6 h 55 min
